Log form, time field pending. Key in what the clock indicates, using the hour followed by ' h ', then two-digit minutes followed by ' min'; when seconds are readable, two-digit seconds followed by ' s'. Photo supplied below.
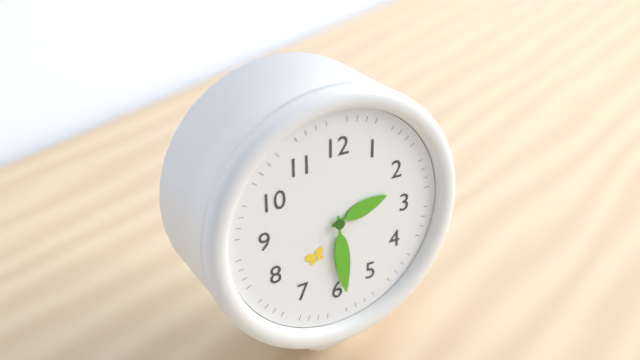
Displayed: 2 h 29 min
